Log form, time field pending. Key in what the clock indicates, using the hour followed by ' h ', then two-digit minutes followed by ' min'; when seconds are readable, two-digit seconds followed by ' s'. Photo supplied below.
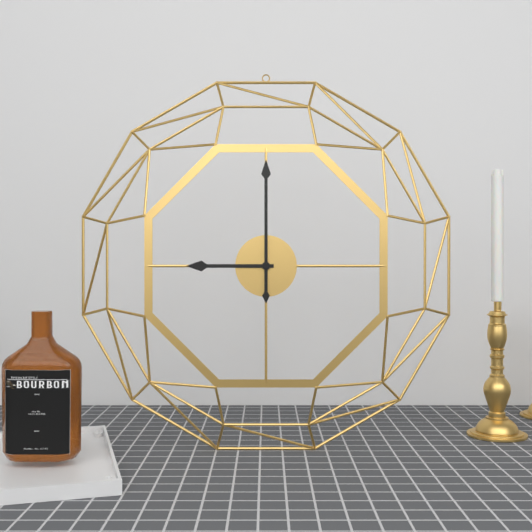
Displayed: 9 h 00 min
